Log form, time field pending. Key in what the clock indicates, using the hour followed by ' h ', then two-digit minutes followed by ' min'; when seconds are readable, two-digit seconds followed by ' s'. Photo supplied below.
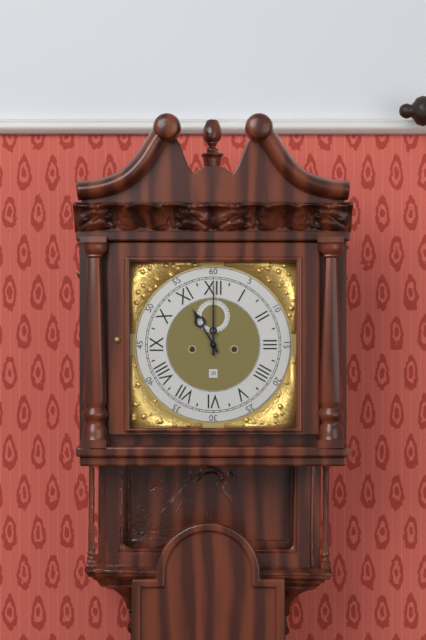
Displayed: 11 h 00 min
